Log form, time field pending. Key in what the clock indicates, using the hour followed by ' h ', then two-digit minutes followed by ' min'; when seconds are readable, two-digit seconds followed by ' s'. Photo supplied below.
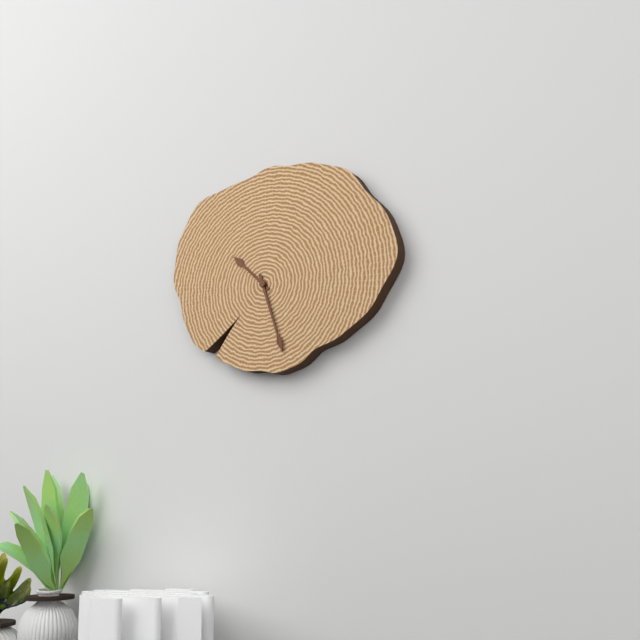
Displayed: 10 h 27 min
